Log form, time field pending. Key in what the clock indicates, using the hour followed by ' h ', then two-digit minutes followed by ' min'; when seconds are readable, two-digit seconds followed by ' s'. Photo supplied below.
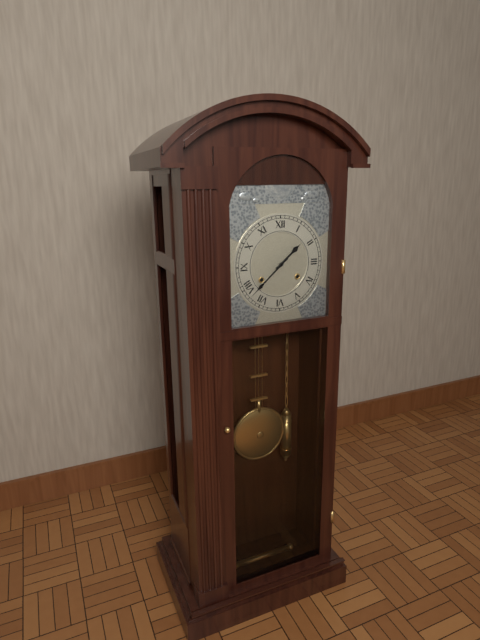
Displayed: 1 h 38 min
